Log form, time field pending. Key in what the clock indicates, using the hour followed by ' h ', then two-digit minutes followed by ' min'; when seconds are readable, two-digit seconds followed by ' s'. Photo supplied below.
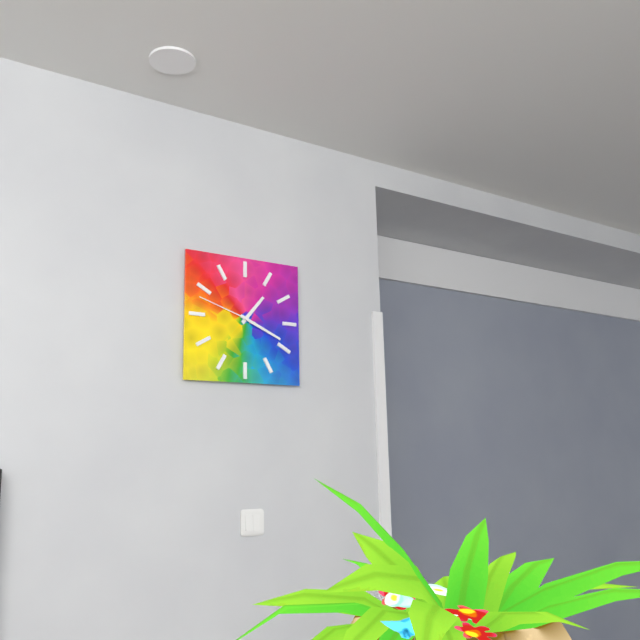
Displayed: 1 h 19 min 48 s
